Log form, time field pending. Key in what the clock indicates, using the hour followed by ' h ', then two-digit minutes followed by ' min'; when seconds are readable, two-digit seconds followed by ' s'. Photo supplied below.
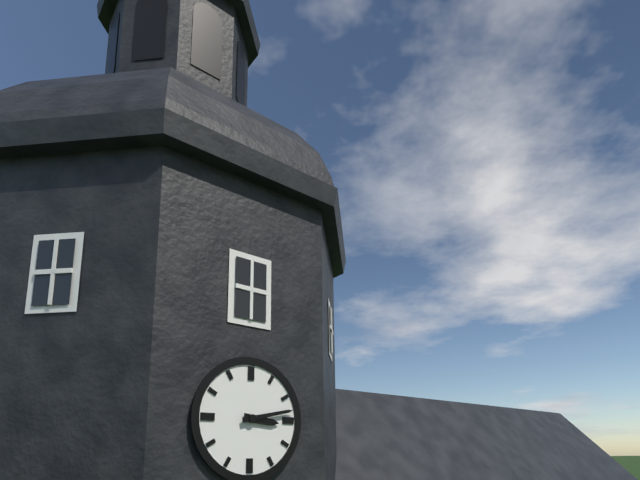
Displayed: 3 h 13 min
